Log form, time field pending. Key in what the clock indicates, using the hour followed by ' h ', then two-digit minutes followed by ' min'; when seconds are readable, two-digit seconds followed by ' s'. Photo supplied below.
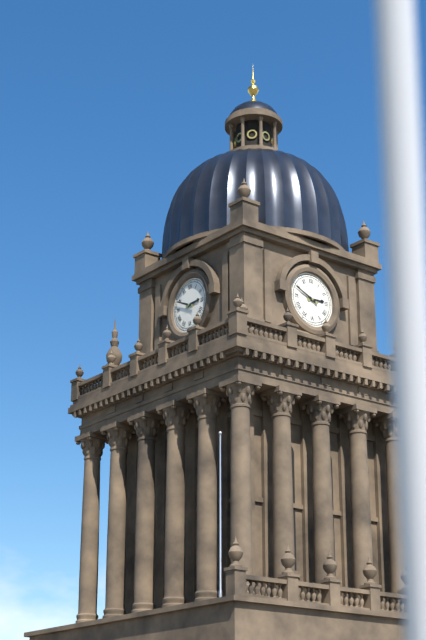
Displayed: 2 h 49 min
